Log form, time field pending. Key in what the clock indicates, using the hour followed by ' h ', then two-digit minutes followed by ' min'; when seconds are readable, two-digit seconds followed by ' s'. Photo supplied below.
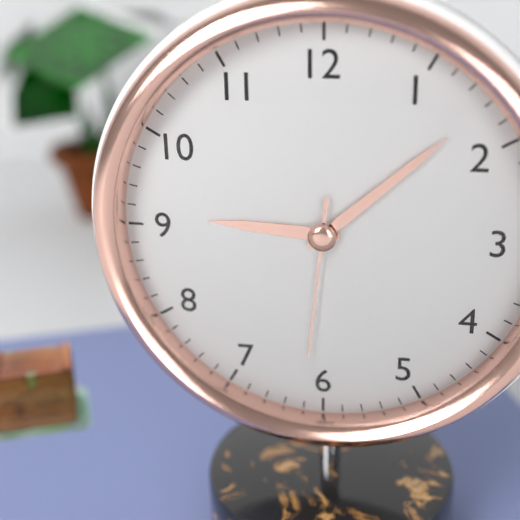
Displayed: 9 h 08 min 31 s
